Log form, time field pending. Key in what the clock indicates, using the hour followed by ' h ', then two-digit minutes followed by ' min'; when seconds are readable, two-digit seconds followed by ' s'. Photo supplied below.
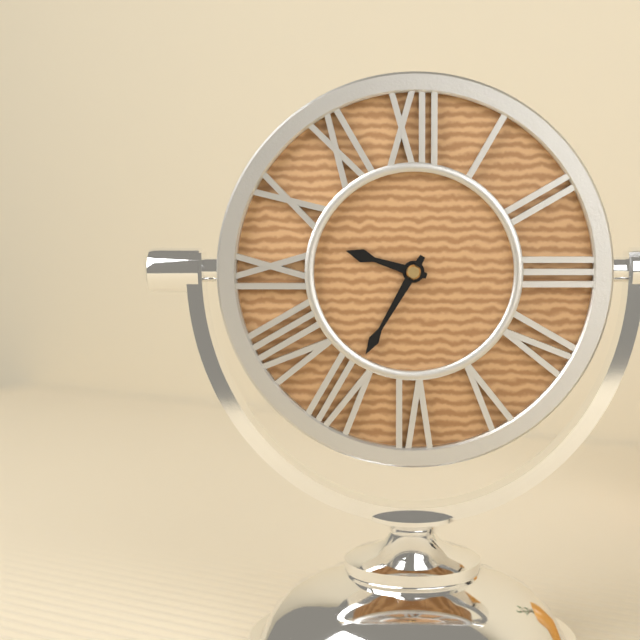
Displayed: 9 h 35 min
